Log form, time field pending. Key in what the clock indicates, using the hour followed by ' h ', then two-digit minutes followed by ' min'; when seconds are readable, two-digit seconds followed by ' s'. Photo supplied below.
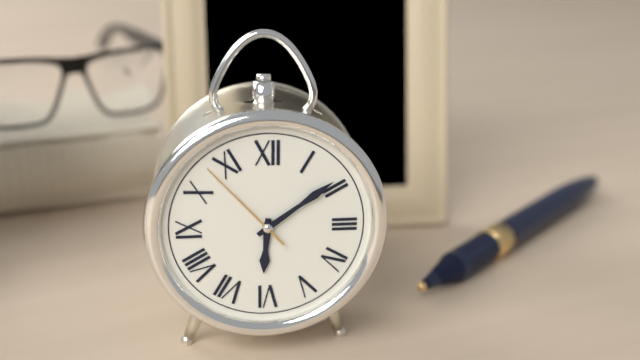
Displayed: 6 h 09 min 53 s
